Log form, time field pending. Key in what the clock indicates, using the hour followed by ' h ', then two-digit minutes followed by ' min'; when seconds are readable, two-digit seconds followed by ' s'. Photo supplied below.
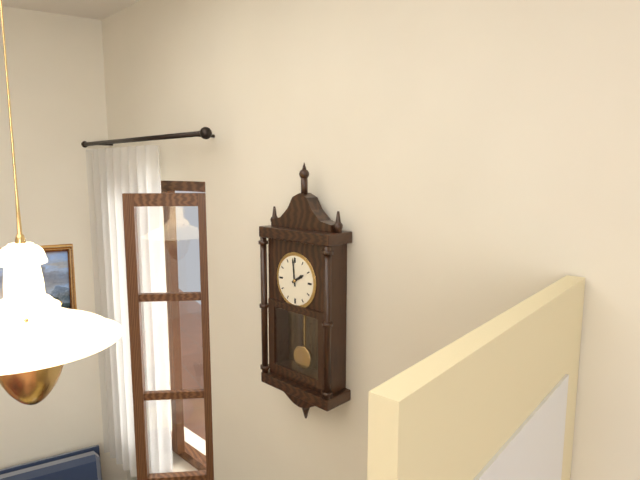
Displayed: 1 h 59 min
